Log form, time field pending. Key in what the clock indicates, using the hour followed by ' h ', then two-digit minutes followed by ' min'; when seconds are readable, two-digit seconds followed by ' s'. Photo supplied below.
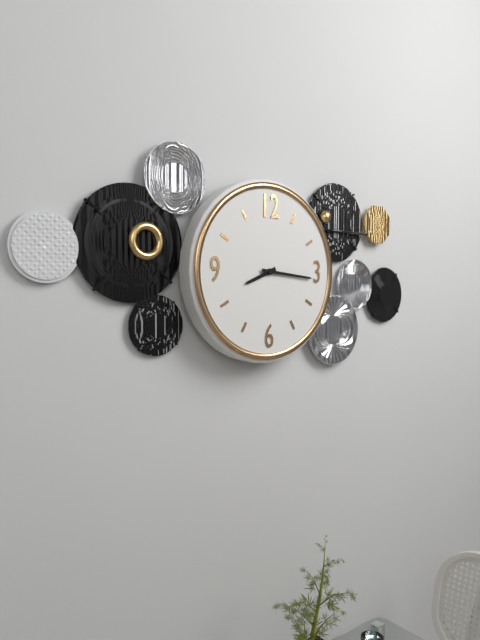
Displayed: 8 h 16 min
